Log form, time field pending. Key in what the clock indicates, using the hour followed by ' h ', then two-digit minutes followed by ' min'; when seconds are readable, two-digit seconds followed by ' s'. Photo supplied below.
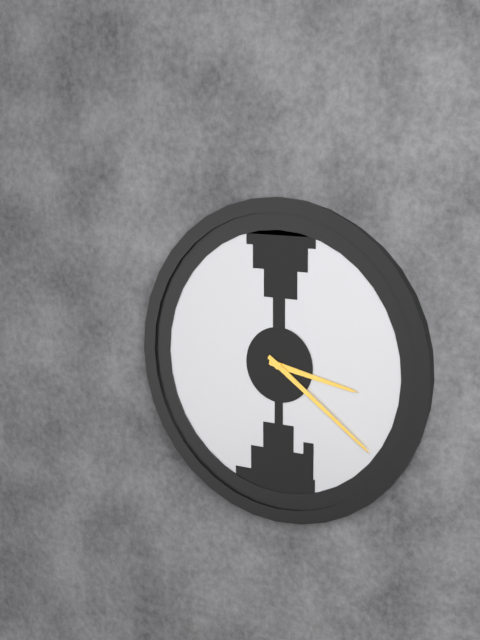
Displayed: 3 h 21 min
